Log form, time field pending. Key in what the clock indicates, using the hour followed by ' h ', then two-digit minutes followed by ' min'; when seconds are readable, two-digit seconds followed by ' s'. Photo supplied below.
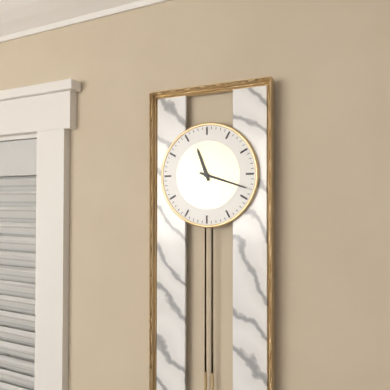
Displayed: 11 h 18 min
